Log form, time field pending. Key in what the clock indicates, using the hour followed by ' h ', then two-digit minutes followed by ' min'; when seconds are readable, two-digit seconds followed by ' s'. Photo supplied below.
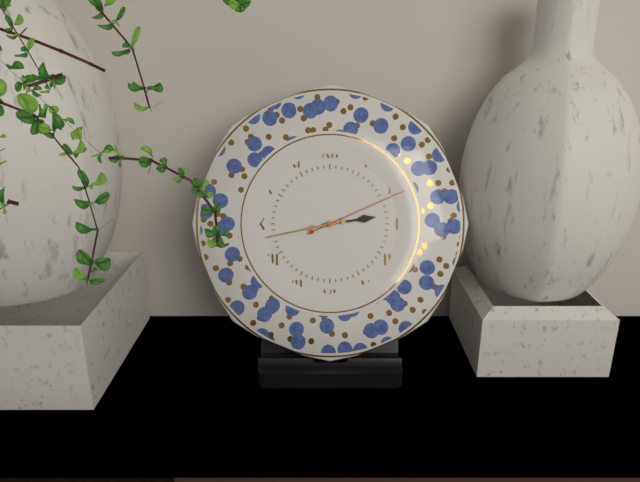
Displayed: 2 h 43 min 11 s
